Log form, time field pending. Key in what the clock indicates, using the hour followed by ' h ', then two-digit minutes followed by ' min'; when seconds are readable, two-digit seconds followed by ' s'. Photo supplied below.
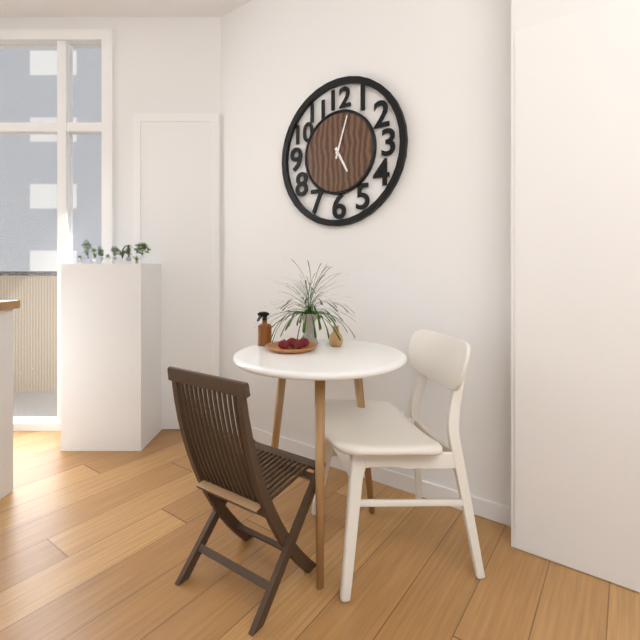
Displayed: 5 h 03 min
